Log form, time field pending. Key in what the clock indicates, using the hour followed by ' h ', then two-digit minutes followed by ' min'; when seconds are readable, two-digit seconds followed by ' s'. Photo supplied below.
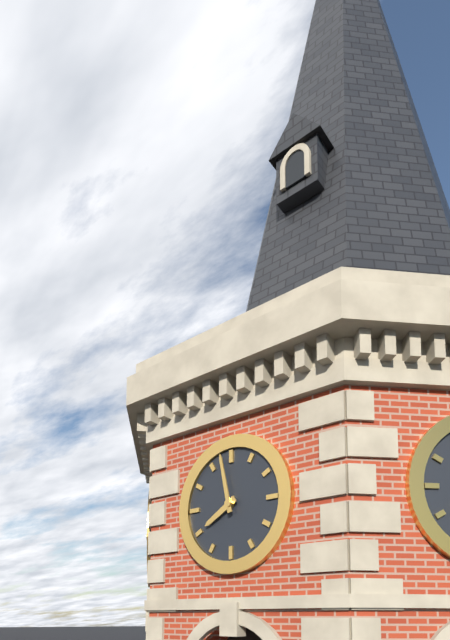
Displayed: 7 h 58 min
